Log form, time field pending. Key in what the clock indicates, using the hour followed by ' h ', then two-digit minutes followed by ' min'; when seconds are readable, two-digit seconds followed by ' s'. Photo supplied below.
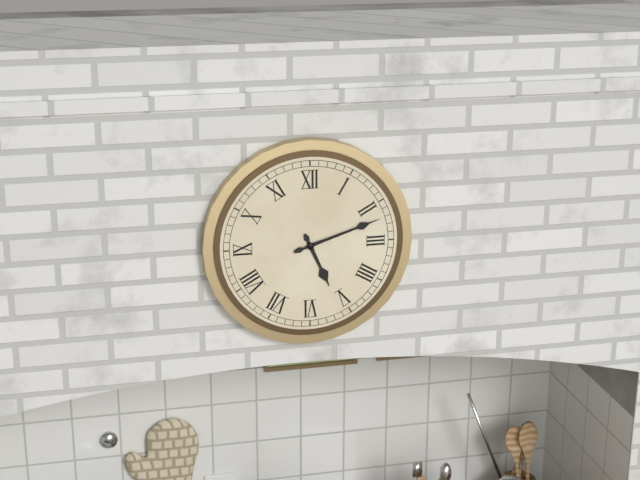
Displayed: 5 h 12 min
